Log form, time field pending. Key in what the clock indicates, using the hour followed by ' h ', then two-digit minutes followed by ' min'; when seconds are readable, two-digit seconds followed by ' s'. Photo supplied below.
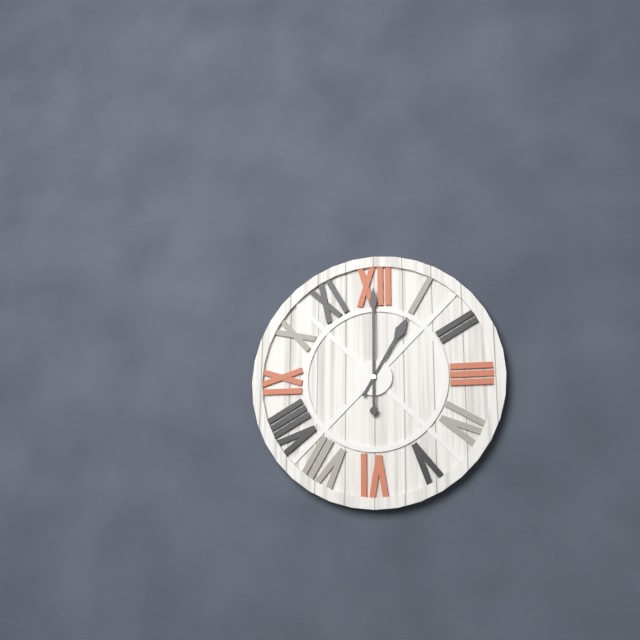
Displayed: 1 h 00 min
